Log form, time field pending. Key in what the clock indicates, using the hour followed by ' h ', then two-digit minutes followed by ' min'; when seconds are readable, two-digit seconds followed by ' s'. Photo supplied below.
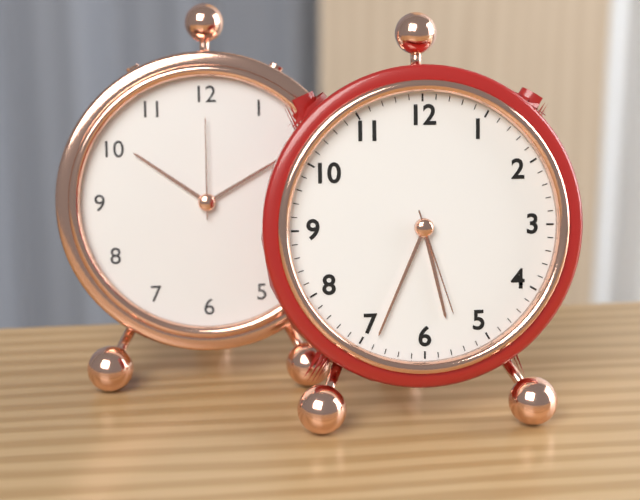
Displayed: 5 h 34 min 27 s
